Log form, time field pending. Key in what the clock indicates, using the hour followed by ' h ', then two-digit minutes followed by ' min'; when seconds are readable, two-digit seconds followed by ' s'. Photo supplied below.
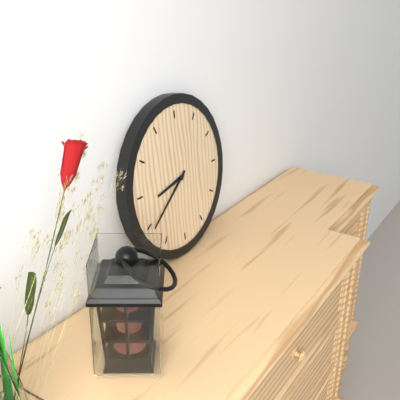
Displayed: 8 h 39 min
